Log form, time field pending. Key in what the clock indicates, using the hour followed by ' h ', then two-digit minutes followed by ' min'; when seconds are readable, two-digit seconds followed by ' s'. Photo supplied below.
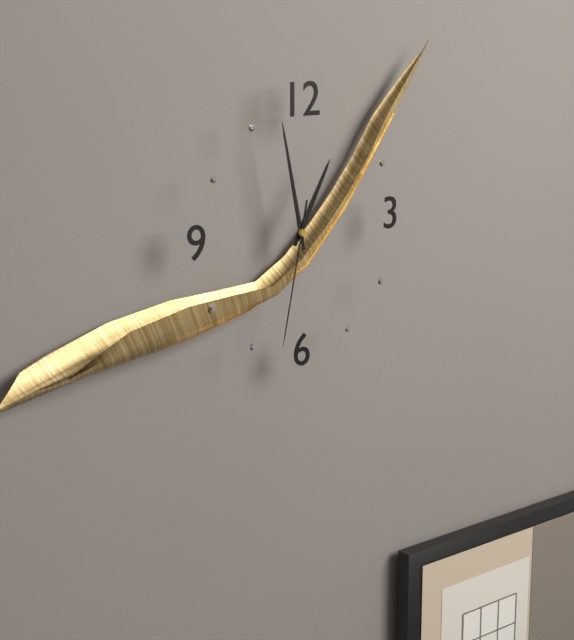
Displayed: 12 h 58 min 32 s
